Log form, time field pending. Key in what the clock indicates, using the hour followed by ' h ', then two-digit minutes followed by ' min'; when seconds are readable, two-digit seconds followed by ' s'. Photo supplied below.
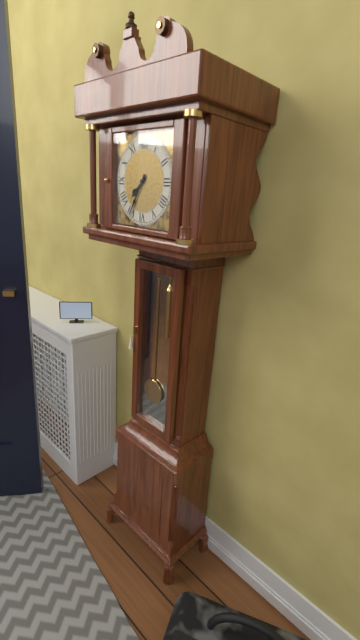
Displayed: 7 h 35 min
